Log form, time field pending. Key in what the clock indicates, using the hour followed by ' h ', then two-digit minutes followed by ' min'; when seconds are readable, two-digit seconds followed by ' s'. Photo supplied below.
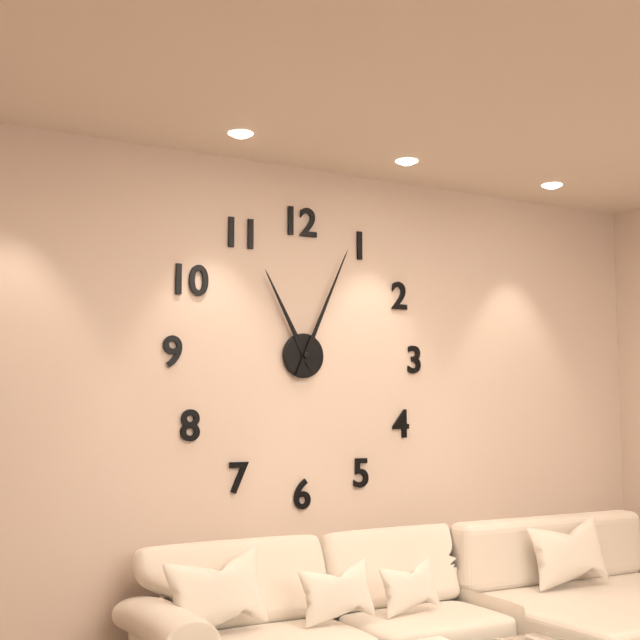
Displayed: 11 h 04 min
